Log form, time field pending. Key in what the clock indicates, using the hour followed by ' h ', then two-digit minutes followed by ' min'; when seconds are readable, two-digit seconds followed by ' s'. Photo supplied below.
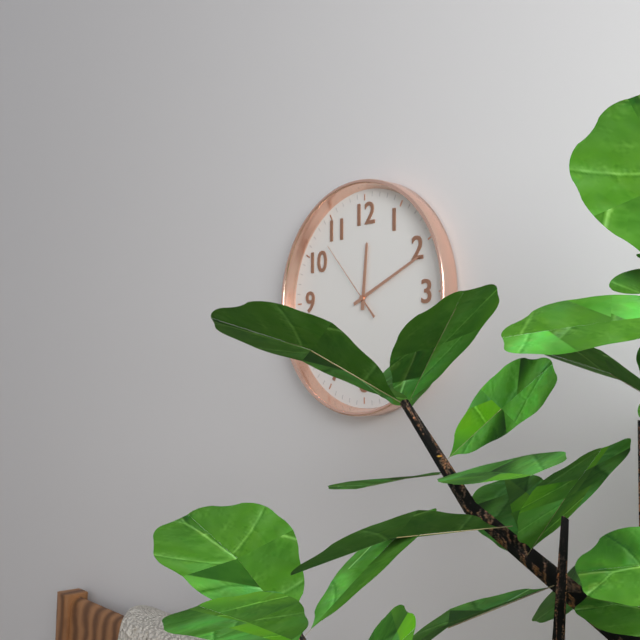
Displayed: 12 h 11 min 53 s
